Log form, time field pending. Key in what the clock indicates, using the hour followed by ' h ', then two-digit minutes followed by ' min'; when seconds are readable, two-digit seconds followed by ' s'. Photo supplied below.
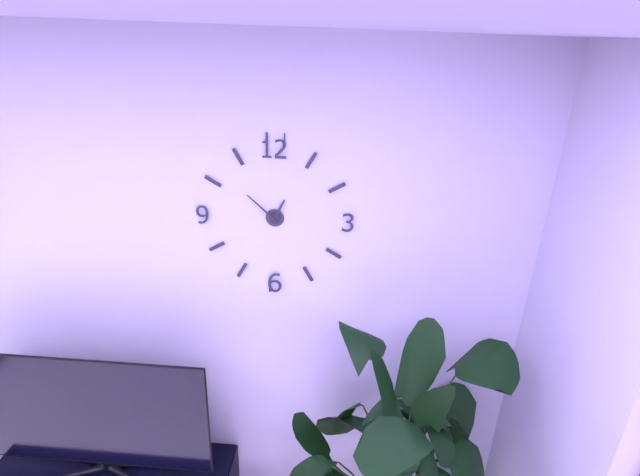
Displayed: 12 h 52 min
